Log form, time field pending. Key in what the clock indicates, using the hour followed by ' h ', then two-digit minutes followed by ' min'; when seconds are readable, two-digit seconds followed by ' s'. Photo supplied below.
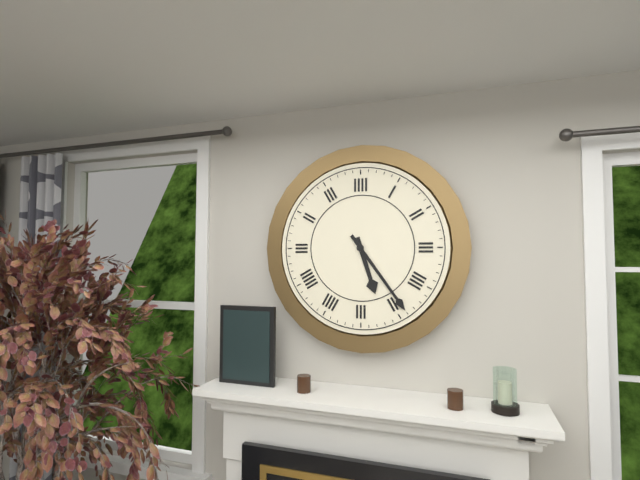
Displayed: 5 h 24 min
